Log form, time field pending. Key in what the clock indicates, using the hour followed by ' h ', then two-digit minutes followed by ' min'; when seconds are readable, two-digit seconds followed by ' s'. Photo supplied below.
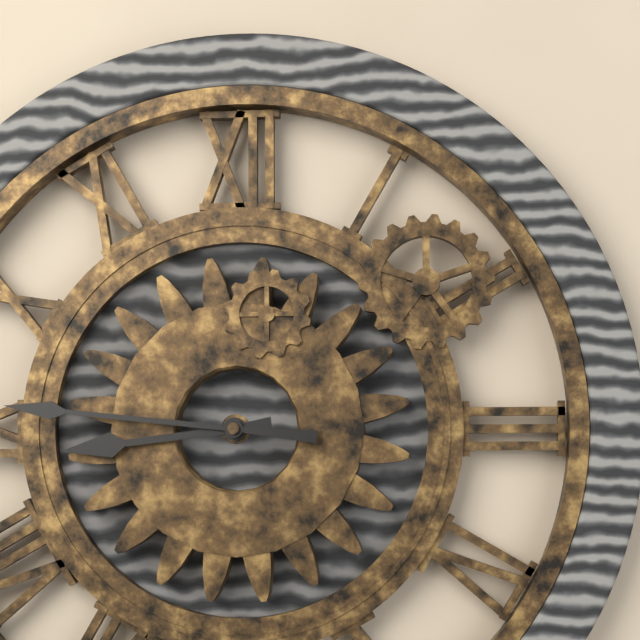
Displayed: 8 h 46 min
